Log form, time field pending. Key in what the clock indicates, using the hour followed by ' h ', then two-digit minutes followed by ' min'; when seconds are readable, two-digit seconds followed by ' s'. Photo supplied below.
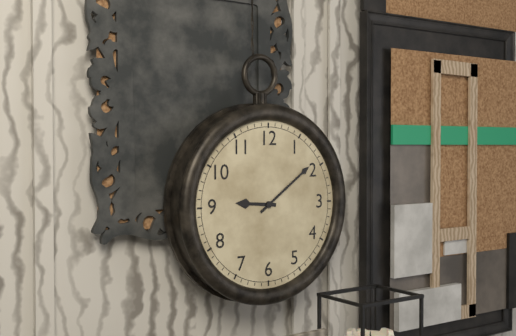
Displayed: 9 h 09 min
